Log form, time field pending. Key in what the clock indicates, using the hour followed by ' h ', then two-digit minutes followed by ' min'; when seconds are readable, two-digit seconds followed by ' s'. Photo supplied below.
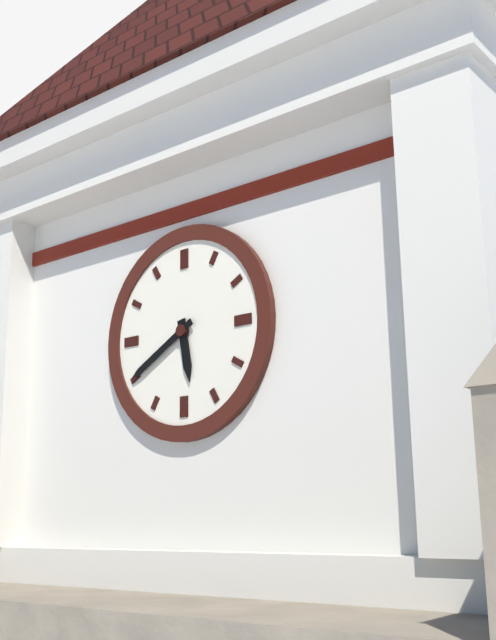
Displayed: 5 h 40 min
